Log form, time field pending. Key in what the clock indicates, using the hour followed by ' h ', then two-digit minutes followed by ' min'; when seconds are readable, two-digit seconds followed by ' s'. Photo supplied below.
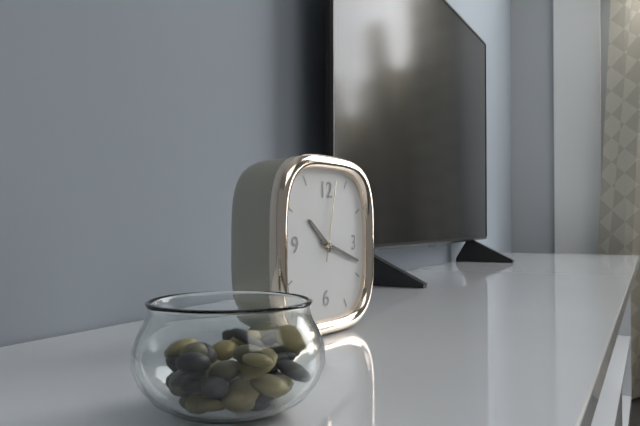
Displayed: 10 h 18 min 02 s
